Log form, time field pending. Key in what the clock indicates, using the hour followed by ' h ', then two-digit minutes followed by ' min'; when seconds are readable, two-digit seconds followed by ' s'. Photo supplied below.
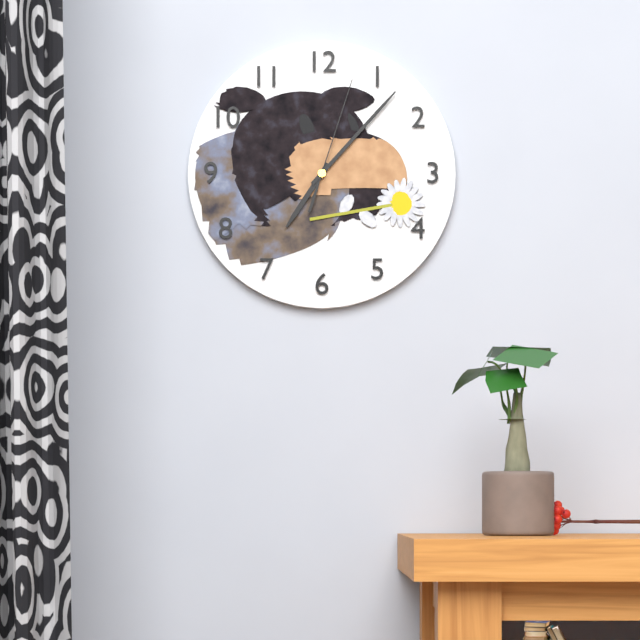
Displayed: 7 h 07 min 03 s
